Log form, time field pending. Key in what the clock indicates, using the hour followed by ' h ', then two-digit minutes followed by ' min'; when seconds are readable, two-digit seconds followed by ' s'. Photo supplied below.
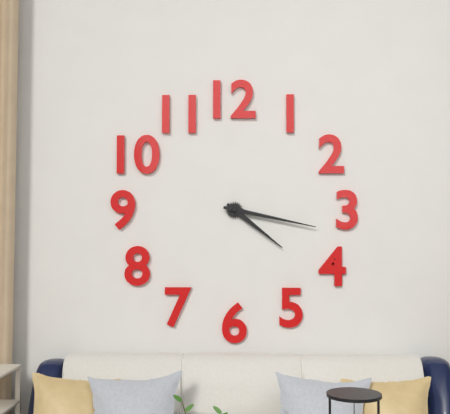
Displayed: 4 h 17 min
